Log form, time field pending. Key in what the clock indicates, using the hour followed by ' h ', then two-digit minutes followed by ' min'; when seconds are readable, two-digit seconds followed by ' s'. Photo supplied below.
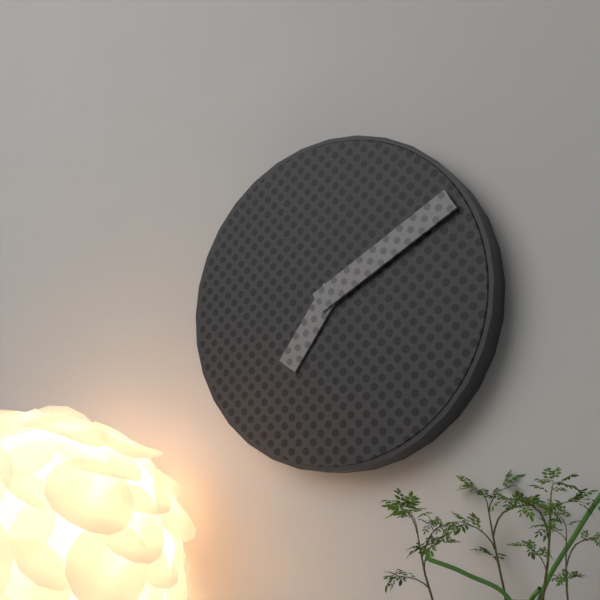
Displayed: 7 h 10 min
